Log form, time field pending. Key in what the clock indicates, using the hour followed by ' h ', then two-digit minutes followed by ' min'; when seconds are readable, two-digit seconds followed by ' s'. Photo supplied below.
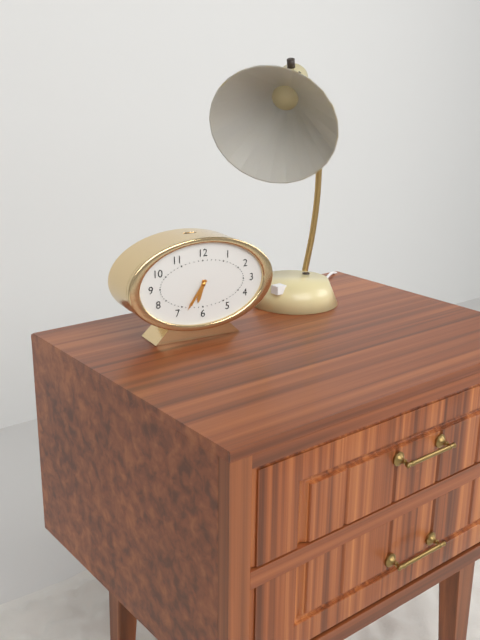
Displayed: 6 h 36 min
